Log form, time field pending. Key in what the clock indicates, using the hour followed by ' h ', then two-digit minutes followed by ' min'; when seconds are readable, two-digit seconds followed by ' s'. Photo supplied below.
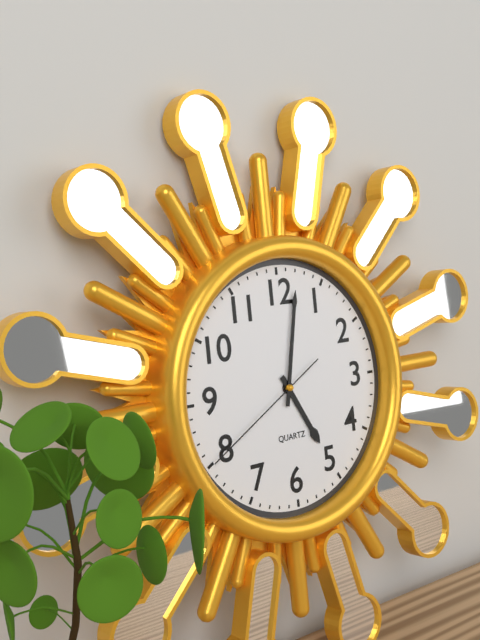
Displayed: 5 h 02 min 40 s
